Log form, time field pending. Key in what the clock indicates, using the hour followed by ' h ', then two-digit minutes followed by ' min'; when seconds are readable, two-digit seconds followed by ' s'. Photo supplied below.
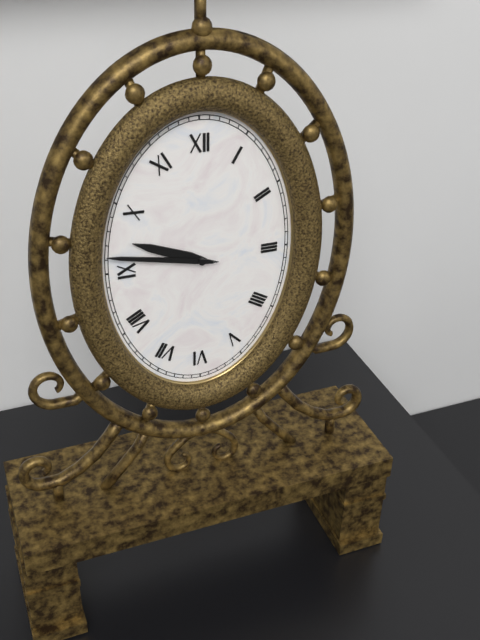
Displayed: 9 h 47 min
